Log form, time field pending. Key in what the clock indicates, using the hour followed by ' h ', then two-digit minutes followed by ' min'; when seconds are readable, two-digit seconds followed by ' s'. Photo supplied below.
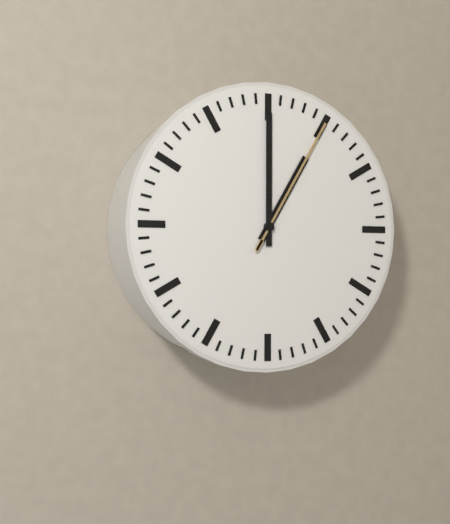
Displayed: 1 h 00 min 05 s
